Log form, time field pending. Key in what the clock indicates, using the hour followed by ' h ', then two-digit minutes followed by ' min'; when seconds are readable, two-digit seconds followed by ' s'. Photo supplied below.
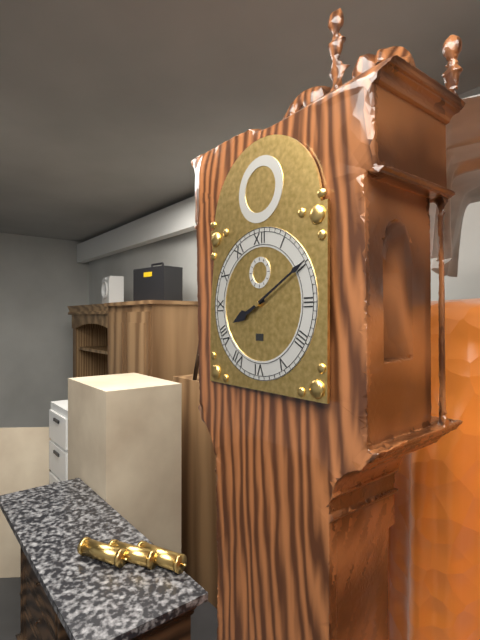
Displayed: 8 h 10 min
